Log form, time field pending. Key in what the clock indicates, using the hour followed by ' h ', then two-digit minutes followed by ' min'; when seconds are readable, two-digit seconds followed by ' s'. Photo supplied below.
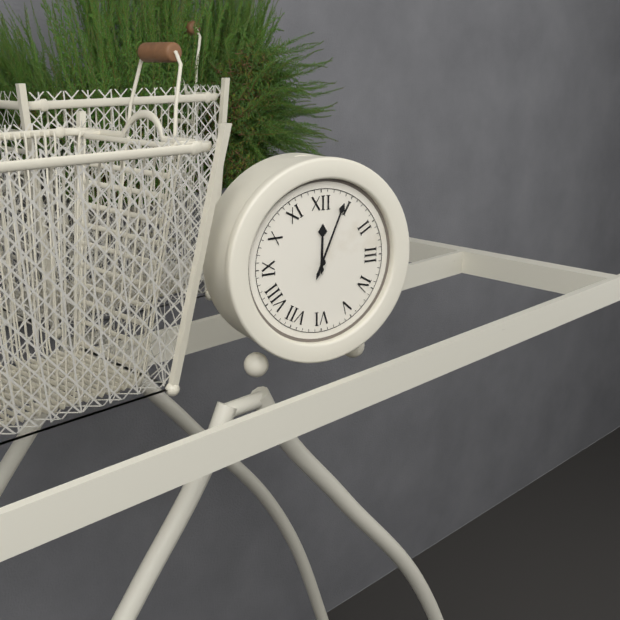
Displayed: 12 h 04 min
